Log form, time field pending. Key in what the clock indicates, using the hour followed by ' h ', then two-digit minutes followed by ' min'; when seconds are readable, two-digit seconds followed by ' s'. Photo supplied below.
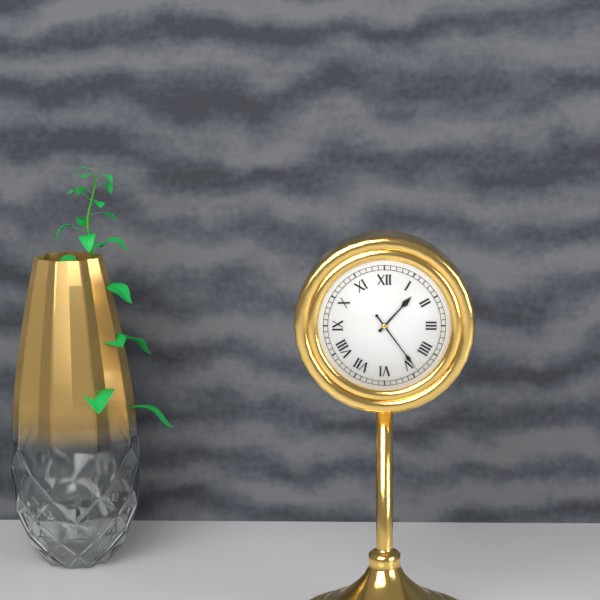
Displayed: 1 h 24 min
